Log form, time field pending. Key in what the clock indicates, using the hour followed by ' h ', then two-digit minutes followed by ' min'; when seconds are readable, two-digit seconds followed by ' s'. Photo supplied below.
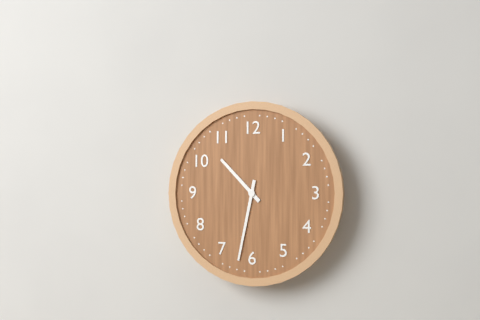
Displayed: 10 h 32 min
